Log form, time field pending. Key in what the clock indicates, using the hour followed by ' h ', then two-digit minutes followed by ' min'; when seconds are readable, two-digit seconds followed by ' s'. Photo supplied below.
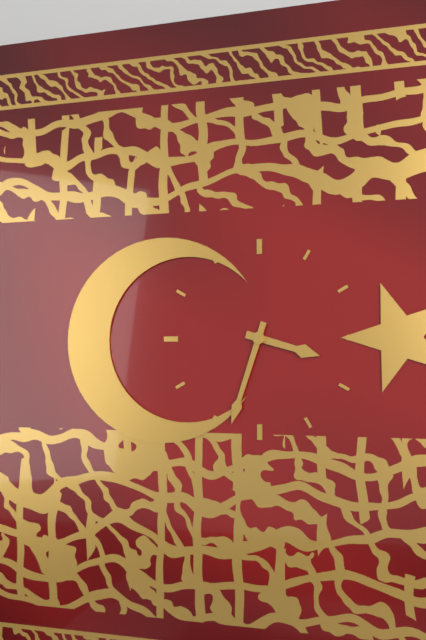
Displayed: 3 h 33 min
